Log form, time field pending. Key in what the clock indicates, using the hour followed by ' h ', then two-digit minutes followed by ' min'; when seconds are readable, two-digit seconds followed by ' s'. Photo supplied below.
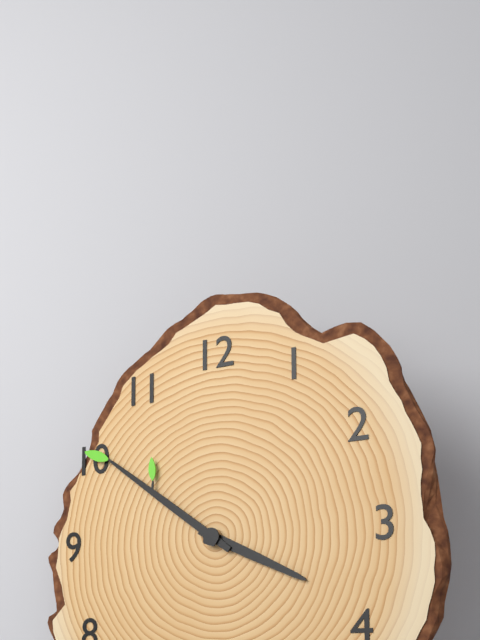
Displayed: 3 h 51 min
